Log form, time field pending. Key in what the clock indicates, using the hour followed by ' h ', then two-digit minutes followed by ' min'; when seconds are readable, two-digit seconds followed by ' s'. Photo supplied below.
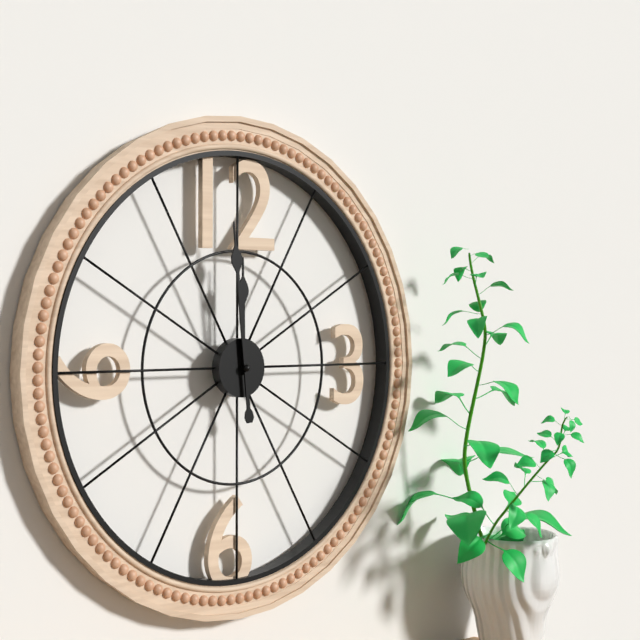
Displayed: 11 h 59 min
